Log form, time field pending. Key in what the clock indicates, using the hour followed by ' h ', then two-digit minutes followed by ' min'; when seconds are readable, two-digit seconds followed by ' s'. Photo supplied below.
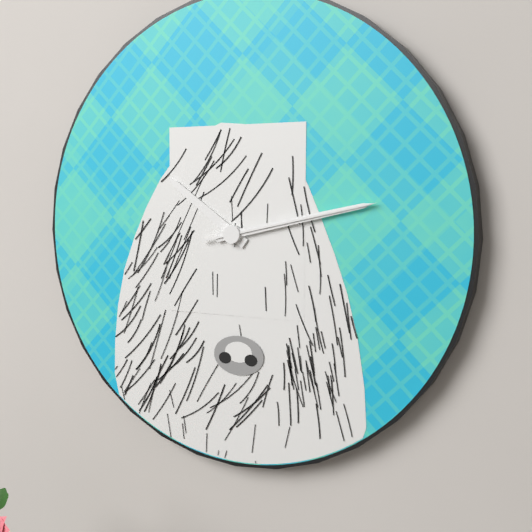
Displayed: 10 h 13 min 13 s
